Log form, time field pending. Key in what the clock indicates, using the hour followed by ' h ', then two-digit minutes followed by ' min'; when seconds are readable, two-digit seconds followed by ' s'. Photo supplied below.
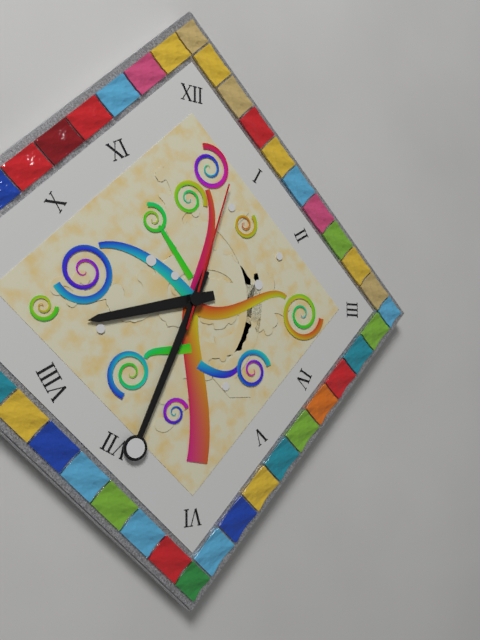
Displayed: 8 h 34 min 03 s
